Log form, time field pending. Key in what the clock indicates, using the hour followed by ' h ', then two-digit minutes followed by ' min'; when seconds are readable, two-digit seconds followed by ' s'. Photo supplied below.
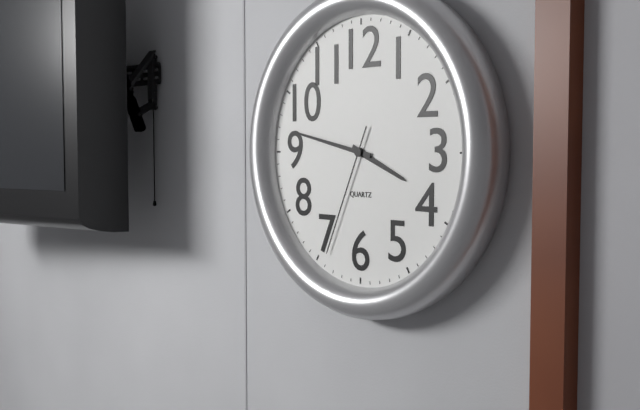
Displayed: 3 h 47 min 34 s
